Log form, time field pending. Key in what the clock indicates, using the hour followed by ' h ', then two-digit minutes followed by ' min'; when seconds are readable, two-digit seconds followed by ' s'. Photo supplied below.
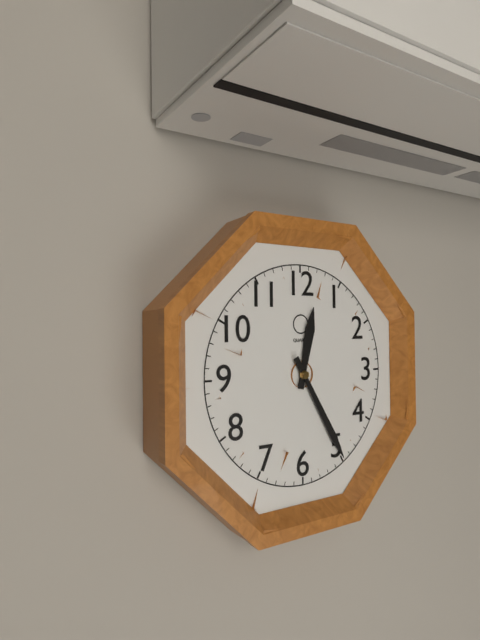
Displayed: 12 h 25 min
